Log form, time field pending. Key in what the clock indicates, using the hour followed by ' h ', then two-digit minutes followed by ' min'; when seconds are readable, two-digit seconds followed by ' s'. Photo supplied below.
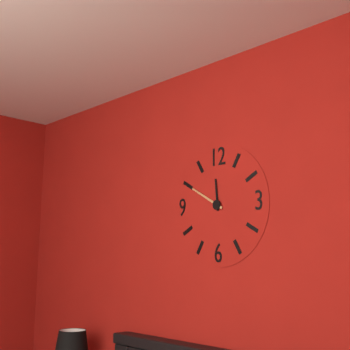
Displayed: 11 h 50 min
